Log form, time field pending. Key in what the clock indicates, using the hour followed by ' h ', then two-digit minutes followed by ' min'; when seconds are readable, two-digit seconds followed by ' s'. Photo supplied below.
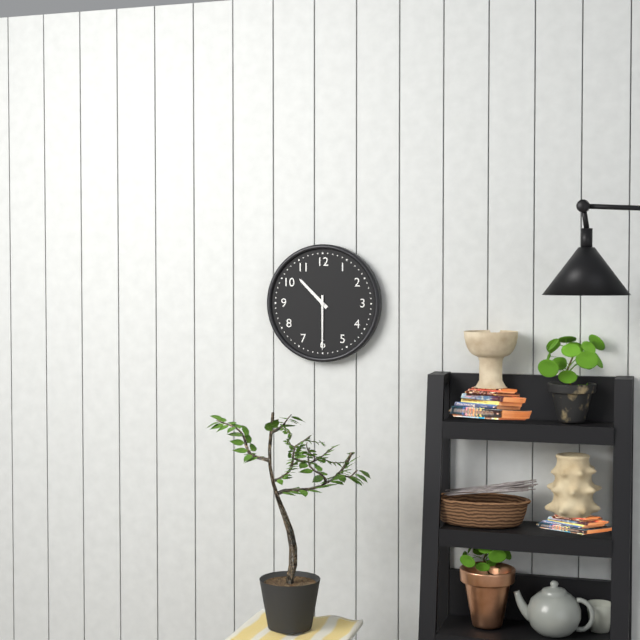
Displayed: 10 h 30 min
